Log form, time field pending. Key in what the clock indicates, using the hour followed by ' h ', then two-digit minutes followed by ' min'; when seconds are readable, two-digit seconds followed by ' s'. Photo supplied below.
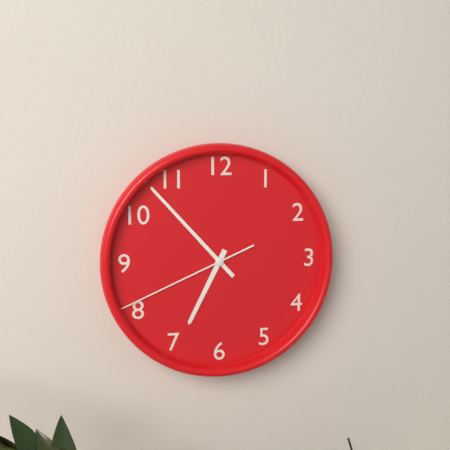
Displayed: 6 h 53 min 41 s
